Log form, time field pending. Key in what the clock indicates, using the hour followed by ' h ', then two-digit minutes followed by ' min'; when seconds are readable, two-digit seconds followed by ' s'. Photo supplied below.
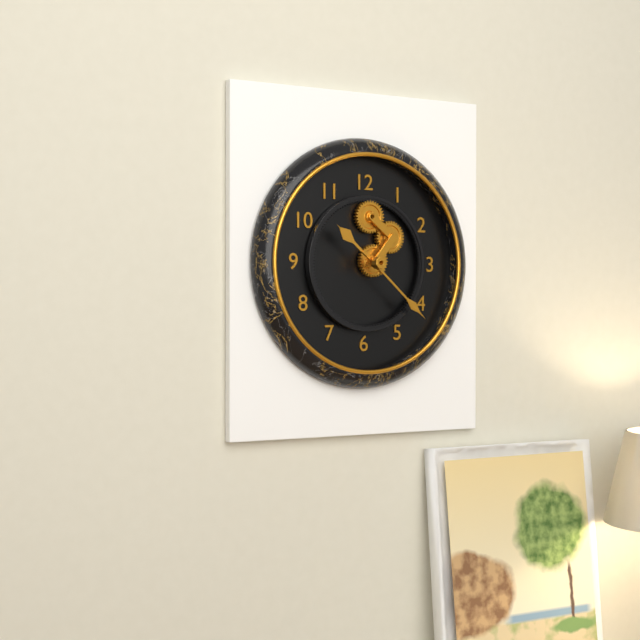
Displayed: 10 h 22 min
